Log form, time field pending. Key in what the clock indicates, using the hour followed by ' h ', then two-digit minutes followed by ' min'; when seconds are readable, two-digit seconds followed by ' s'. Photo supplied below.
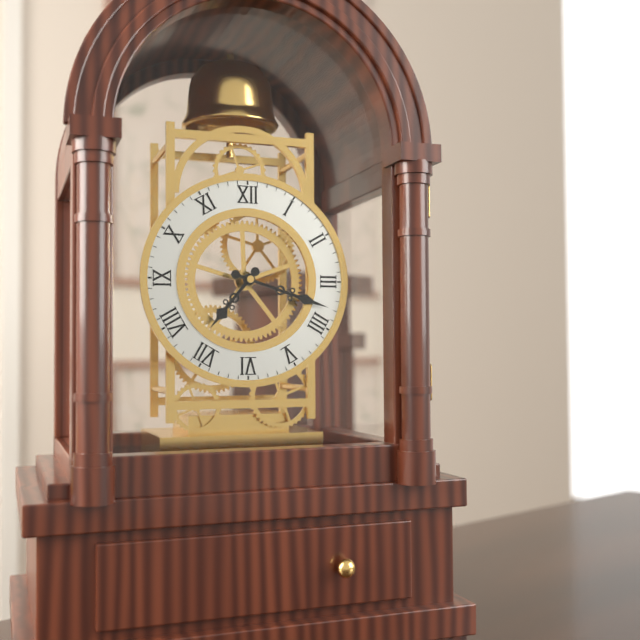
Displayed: 7 h 18 min
